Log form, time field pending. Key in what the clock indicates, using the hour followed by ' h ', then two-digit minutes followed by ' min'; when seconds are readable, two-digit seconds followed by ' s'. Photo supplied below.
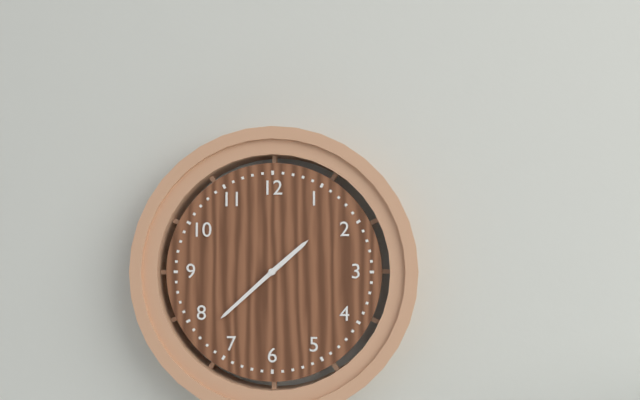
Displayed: 1 h 38 min
